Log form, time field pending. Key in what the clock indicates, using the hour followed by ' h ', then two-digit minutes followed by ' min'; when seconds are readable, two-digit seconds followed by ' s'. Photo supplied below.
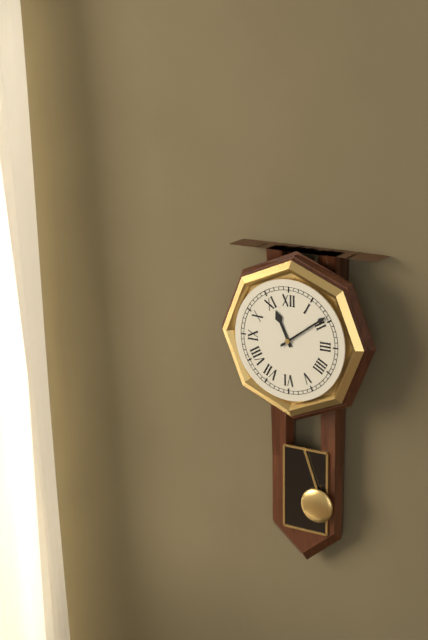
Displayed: 11 h 09 min
